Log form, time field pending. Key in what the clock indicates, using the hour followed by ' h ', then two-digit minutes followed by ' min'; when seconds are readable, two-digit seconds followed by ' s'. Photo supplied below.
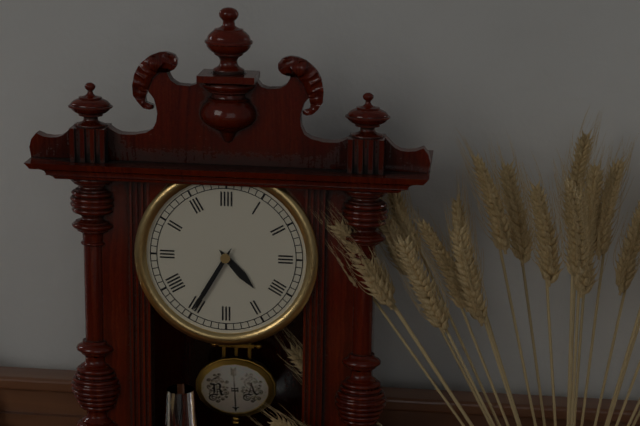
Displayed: 4 h 35 min
